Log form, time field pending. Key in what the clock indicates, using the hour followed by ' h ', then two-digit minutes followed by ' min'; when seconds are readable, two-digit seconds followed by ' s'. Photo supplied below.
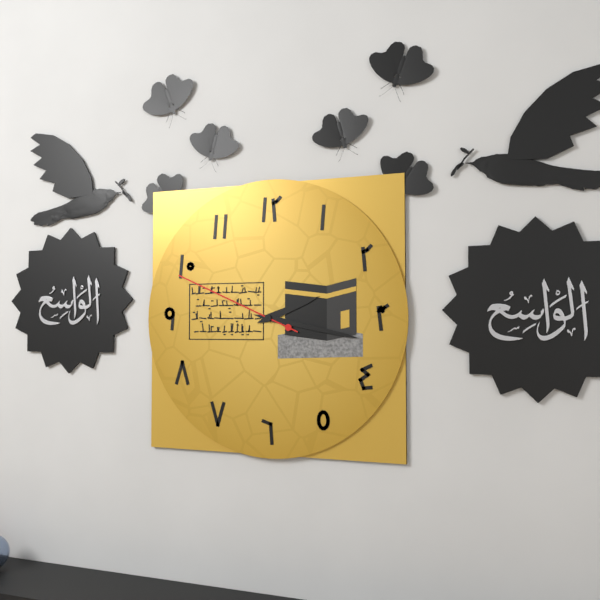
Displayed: 2 h 17 min 49 s
